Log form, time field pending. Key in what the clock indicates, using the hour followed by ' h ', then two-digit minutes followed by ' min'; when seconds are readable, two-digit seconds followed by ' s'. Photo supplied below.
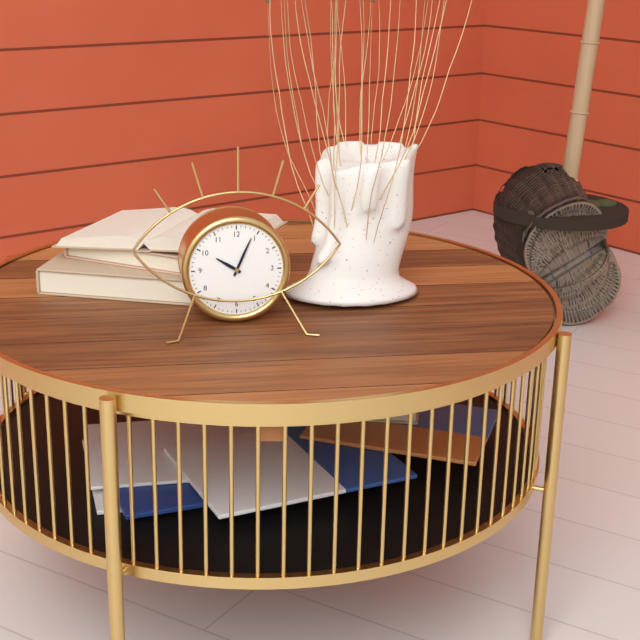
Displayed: 10 h 04 min
